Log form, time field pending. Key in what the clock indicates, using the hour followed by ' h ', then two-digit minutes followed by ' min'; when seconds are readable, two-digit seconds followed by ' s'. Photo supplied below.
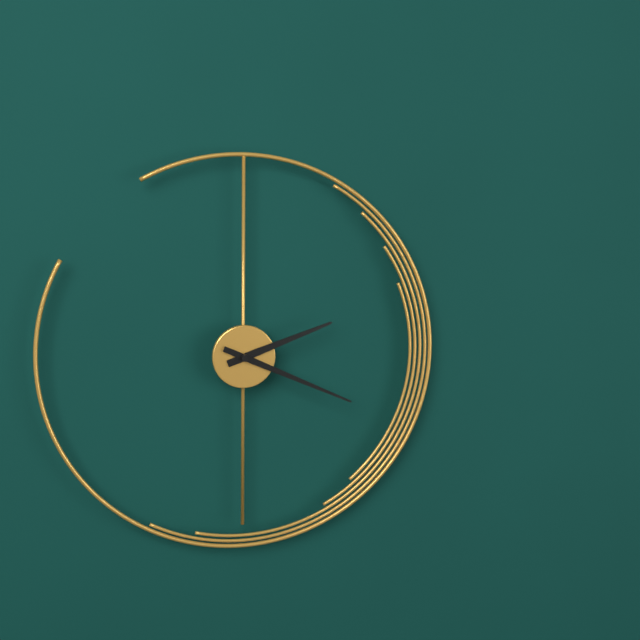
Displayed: 2 h 19 min
